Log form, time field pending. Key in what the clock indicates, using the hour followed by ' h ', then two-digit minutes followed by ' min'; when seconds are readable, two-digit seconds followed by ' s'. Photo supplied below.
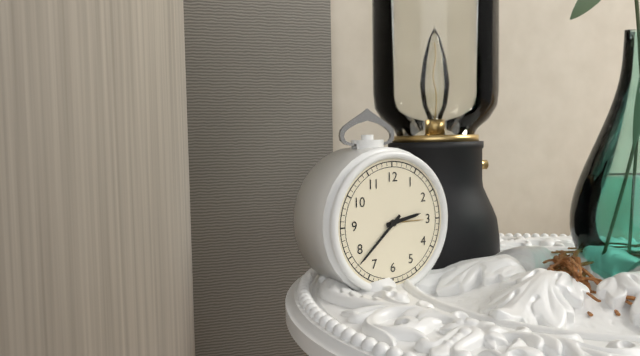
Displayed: 2 h 38 min
